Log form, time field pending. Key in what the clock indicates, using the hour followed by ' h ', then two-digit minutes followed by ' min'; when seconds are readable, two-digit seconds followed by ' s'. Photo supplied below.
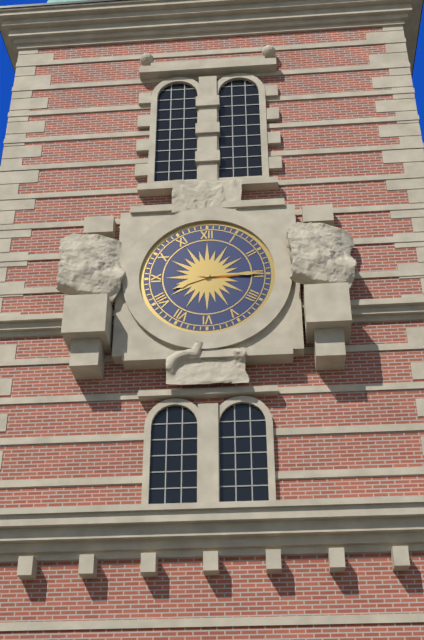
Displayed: 8 h 15 min
